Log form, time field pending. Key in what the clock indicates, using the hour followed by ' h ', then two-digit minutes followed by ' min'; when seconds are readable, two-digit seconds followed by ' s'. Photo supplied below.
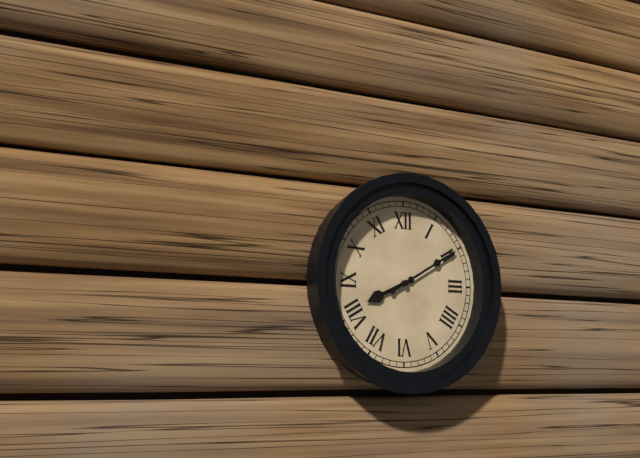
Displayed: 8 h 10 min
